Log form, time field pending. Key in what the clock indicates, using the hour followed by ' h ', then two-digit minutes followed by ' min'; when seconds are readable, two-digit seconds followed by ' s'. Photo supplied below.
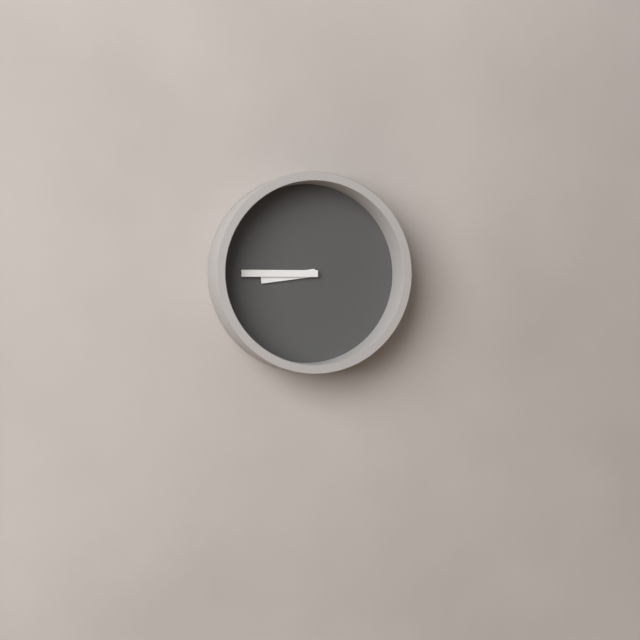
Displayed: 8 h 45 min
